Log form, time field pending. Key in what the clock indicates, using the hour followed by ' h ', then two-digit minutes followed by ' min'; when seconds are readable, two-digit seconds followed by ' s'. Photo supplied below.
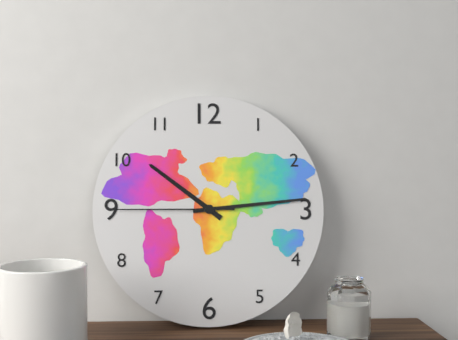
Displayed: 10 h 14 min 45 s
